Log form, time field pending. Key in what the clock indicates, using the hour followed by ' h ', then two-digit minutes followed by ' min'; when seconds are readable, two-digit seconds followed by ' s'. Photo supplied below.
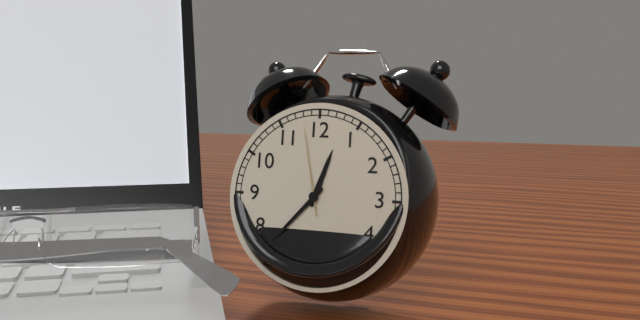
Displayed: 12 h 37 min 58 s
